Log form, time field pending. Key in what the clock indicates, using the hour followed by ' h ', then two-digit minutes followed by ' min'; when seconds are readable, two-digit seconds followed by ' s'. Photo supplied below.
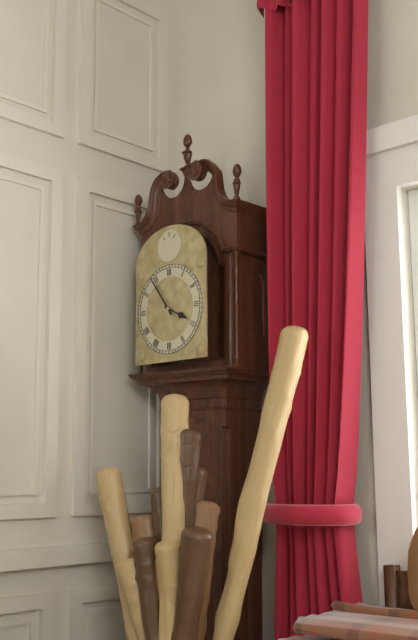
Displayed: 3 h 54 min
